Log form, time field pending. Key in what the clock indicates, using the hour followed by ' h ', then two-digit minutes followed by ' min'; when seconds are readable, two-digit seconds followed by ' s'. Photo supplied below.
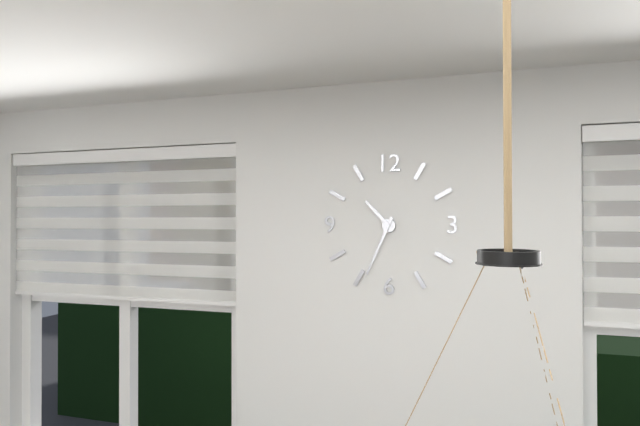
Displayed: 10 h 34 min
